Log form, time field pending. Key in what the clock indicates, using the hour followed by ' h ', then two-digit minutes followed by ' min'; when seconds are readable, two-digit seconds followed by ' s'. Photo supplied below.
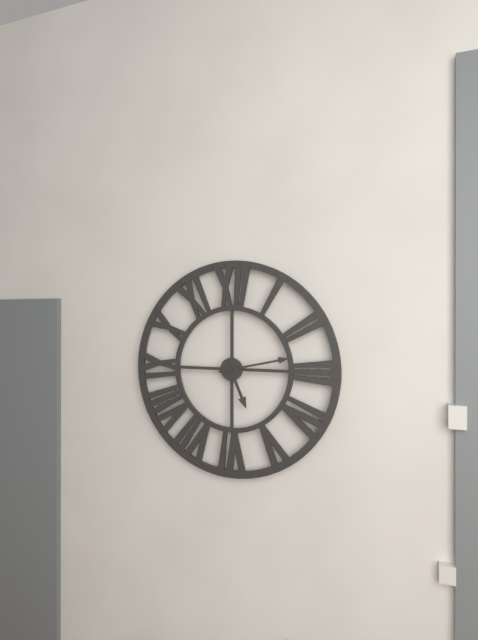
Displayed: 5 h 13 min
